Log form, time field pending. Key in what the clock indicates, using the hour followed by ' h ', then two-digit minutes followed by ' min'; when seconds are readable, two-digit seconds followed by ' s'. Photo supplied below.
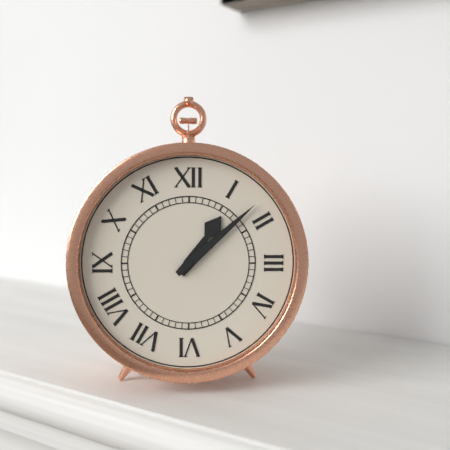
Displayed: 1 h 08 min
